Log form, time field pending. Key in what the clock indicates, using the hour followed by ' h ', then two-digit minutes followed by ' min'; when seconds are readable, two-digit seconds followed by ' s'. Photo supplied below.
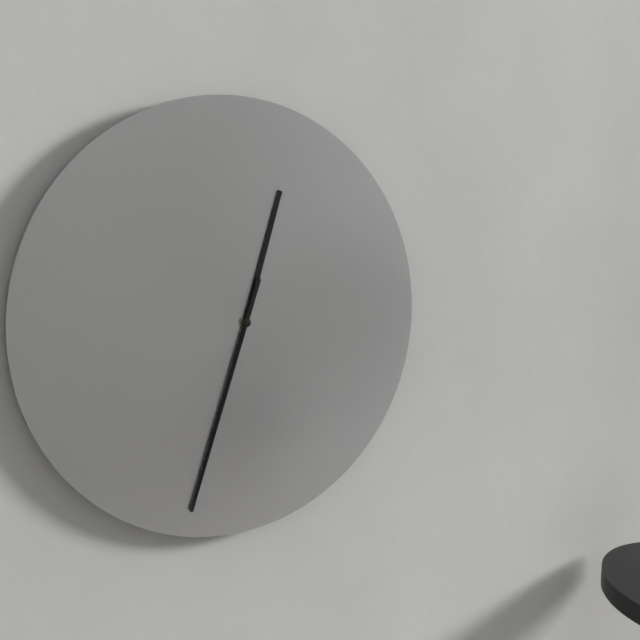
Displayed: 12 h 33 min 33 s
